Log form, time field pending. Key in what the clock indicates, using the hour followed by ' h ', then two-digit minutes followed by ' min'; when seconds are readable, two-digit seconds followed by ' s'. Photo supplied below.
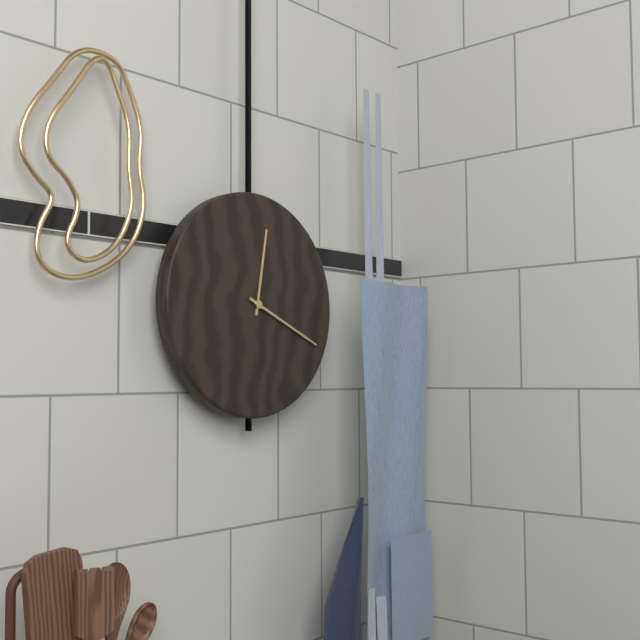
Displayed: 12 h 19 min
